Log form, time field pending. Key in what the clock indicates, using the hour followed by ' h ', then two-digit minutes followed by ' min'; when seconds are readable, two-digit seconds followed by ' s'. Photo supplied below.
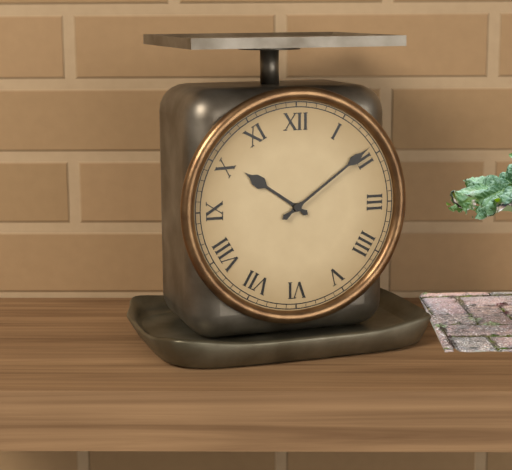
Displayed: 10 h 09 min
